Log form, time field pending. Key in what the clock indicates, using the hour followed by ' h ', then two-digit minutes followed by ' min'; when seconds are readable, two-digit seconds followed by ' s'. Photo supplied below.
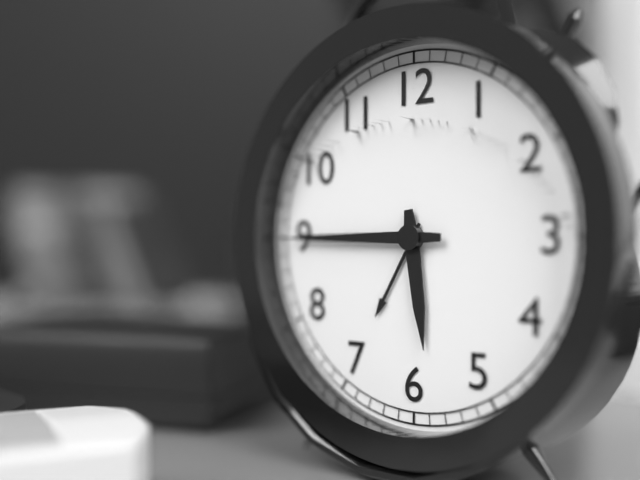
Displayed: 5 h 45 min
